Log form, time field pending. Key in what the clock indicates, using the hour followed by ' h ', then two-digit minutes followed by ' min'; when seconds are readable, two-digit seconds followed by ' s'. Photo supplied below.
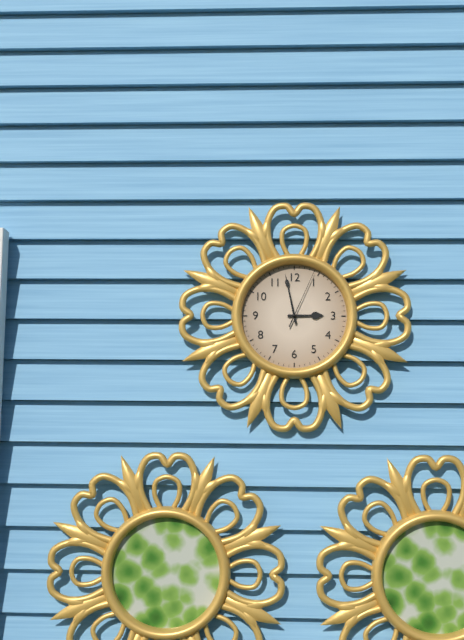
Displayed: 2 h 58 min 04 s
